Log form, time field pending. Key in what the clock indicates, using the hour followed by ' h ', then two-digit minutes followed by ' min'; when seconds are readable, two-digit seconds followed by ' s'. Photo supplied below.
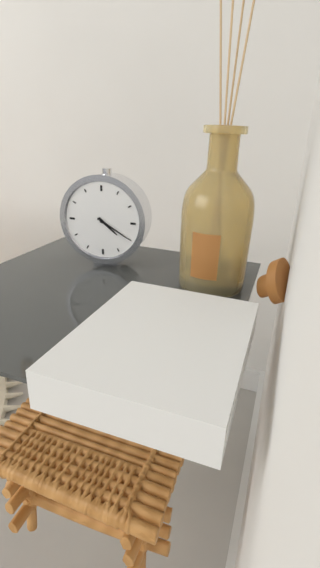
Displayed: 4 h 20 min
